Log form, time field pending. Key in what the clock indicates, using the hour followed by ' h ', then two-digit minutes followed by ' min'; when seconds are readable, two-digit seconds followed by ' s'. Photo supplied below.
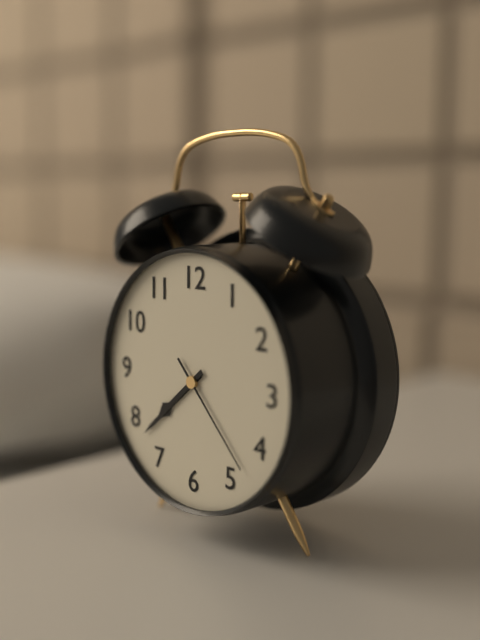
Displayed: 7 h 38 min 23 s
